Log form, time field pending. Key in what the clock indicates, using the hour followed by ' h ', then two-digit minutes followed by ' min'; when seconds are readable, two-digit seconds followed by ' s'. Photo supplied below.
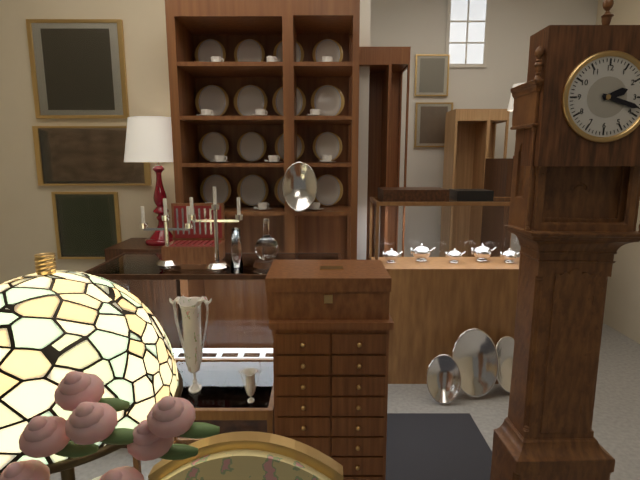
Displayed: 2 h 18 min
